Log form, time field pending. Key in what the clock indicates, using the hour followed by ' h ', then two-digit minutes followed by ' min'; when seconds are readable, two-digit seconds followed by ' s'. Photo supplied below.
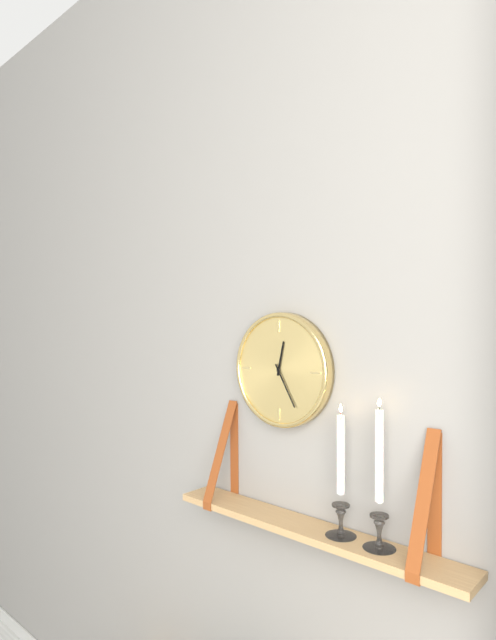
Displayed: 12 h 25 min
